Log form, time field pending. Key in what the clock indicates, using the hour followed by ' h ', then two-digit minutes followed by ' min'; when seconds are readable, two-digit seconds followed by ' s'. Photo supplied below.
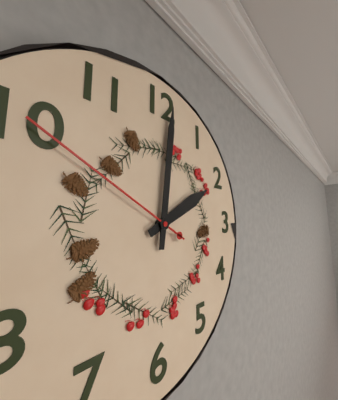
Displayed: 2 h 01 min 50 s
